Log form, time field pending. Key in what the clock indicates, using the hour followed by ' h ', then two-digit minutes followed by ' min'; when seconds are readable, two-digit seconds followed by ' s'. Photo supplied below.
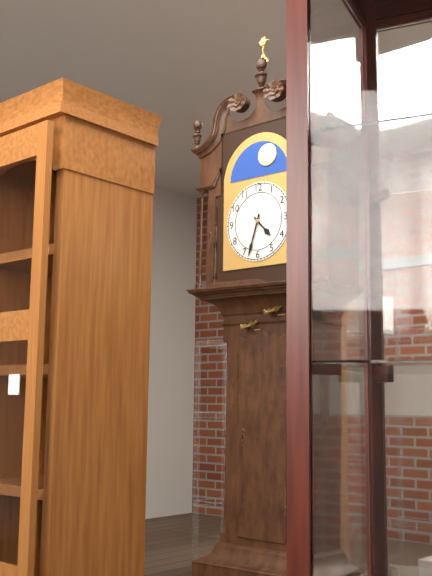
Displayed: 4 h 33 min
